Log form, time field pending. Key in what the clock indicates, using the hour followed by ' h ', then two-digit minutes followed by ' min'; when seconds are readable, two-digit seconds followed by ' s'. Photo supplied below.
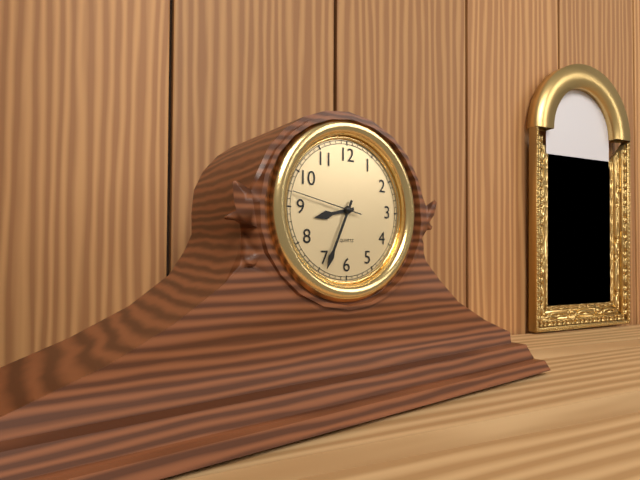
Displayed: 8 h 34 min 47 s
